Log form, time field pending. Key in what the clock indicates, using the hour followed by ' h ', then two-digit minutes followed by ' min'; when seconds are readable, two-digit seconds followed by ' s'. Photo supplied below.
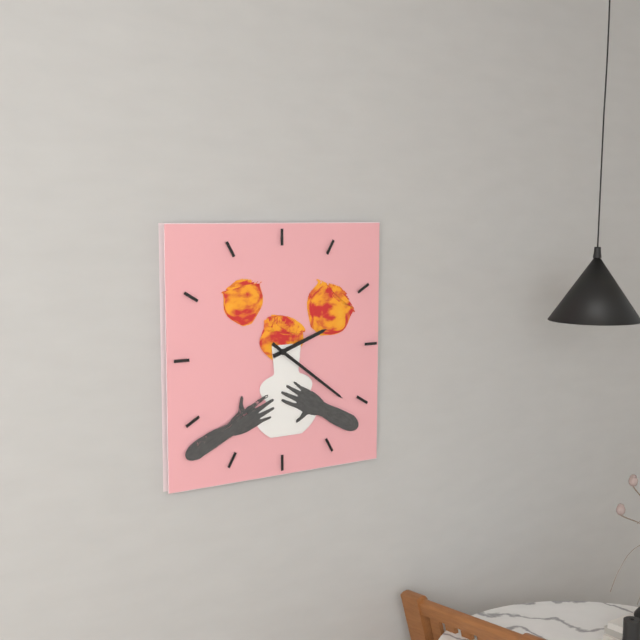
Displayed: 2 h 21 min
